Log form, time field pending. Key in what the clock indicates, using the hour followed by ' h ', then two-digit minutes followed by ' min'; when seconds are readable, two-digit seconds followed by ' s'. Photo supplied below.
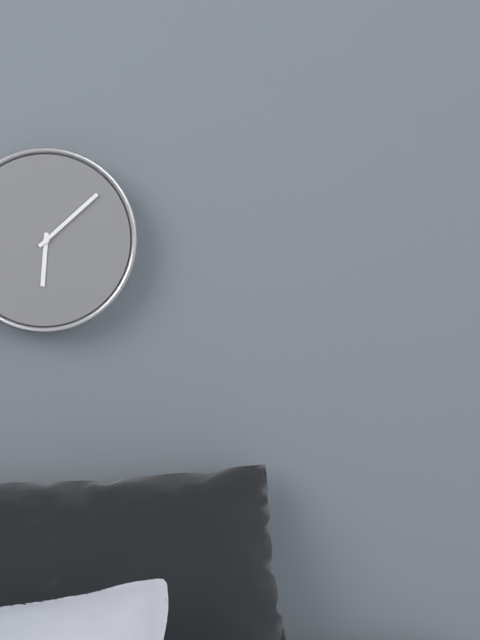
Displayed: 6 h 08 min
